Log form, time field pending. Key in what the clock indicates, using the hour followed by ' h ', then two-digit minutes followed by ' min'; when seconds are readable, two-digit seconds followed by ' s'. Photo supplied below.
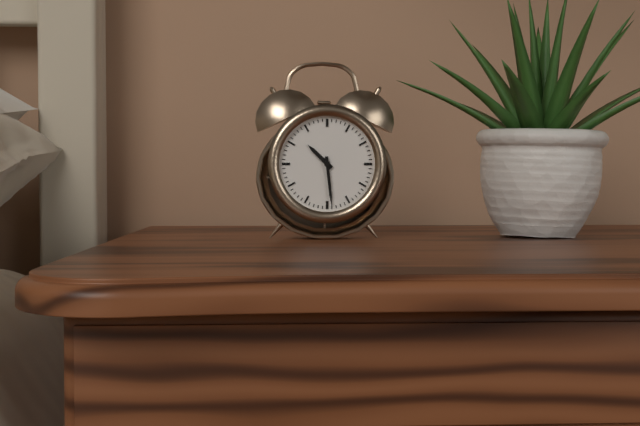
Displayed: 10 h 29 min
